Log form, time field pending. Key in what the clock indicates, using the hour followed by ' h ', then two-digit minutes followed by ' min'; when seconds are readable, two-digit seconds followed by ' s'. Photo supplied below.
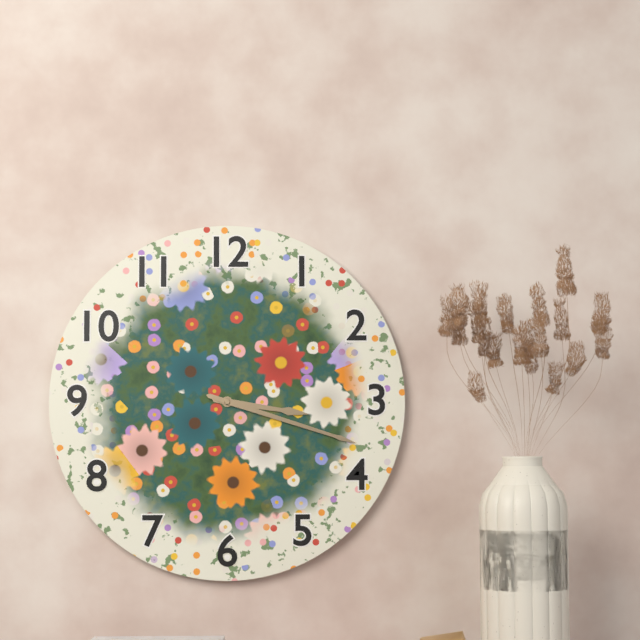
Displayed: 3 h 18 min
